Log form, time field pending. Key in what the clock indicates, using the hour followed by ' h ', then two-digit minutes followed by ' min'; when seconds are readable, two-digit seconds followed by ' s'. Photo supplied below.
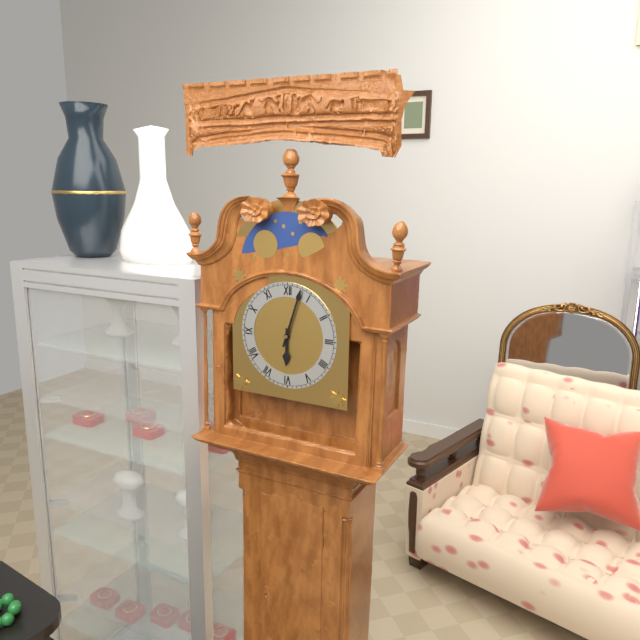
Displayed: 6 h 03 min
